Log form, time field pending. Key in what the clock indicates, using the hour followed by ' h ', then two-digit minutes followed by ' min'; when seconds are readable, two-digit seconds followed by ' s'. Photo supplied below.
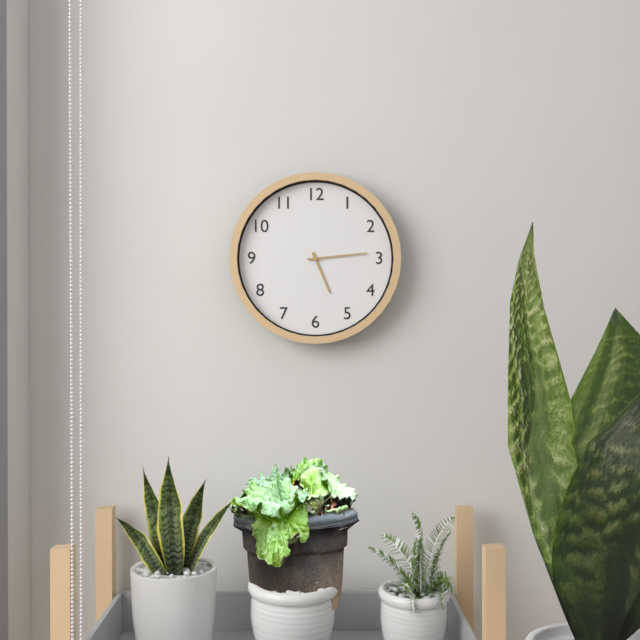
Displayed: 5 h 14 min
